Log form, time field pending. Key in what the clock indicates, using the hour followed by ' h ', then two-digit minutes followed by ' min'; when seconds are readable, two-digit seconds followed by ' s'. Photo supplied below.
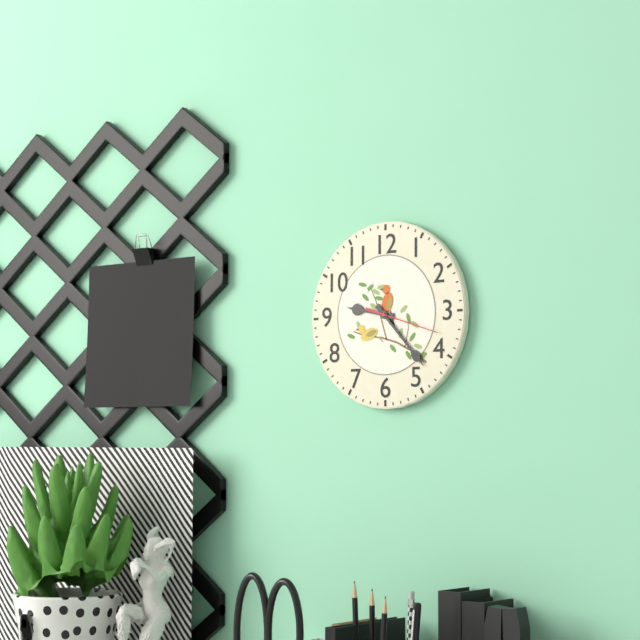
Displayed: 9 h 23 min 18 s
